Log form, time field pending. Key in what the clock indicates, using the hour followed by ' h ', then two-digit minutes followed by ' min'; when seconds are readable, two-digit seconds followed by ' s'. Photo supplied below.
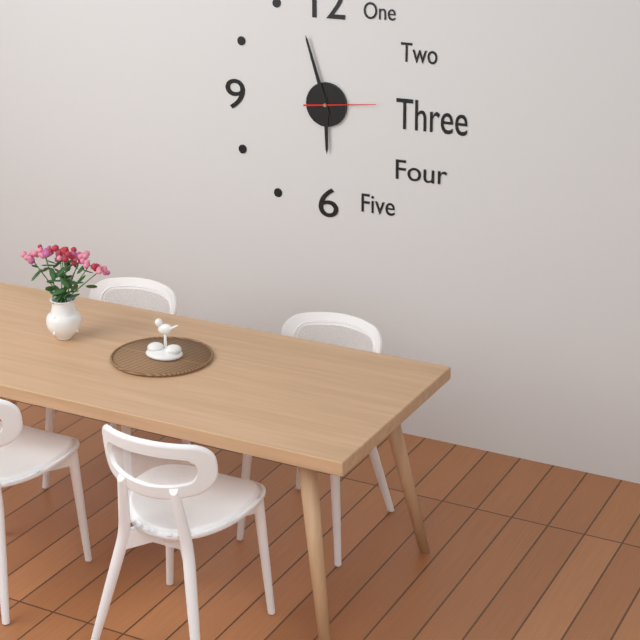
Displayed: 5 h 57 min 14 s
